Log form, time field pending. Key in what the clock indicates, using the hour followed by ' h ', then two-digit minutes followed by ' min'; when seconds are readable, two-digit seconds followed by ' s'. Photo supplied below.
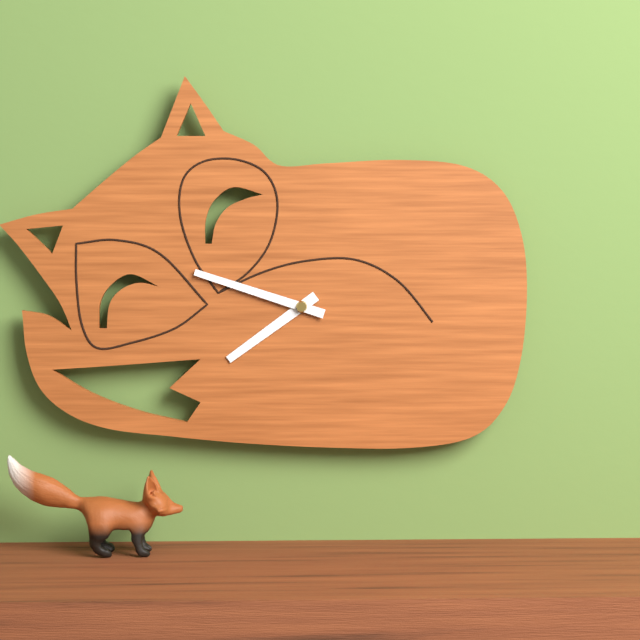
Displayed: 7 h 48 min
